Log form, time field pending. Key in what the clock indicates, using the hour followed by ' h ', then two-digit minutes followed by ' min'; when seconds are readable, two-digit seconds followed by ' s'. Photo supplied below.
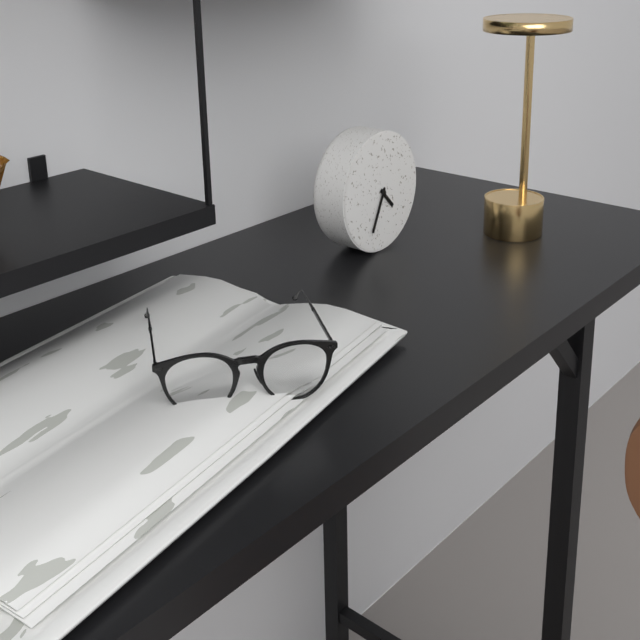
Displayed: 4 h 34 min
